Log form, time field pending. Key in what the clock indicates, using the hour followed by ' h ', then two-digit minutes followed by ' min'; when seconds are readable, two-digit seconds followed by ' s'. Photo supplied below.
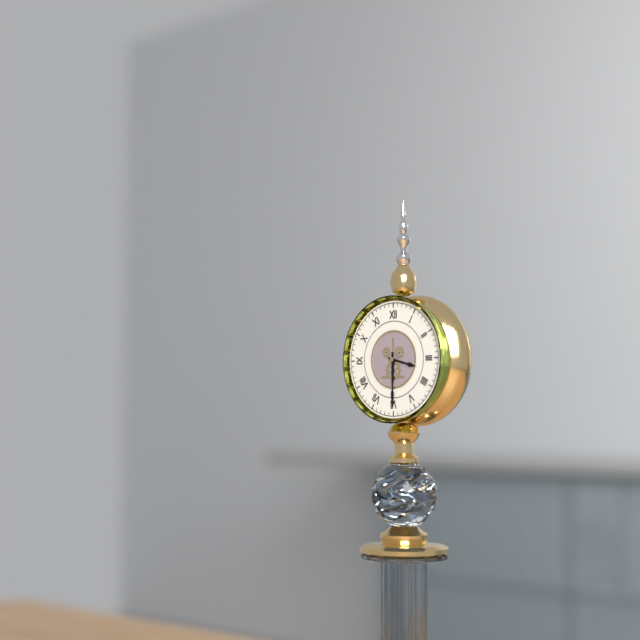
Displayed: 3 h 30 min
